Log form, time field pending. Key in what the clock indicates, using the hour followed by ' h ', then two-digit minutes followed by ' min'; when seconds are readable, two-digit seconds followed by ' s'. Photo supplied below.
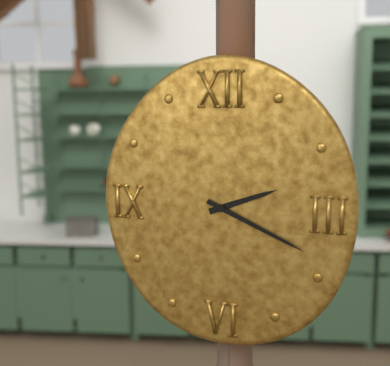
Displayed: 2 h 19 min
